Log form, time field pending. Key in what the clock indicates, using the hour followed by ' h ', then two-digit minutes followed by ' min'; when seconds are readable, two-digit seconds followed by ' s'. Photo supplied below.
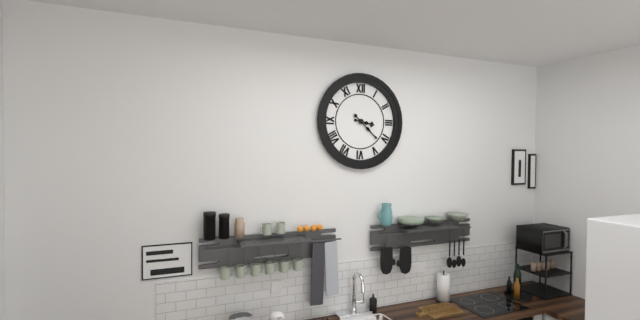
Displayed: 3 h 22 min
